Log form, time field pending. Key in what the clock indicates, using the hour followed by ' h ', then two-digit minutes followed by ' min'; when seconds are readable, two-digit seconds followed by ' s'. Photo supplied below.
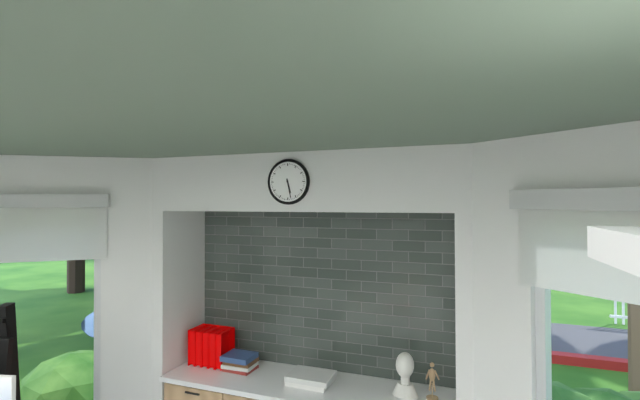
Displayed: 5 h 28 min
